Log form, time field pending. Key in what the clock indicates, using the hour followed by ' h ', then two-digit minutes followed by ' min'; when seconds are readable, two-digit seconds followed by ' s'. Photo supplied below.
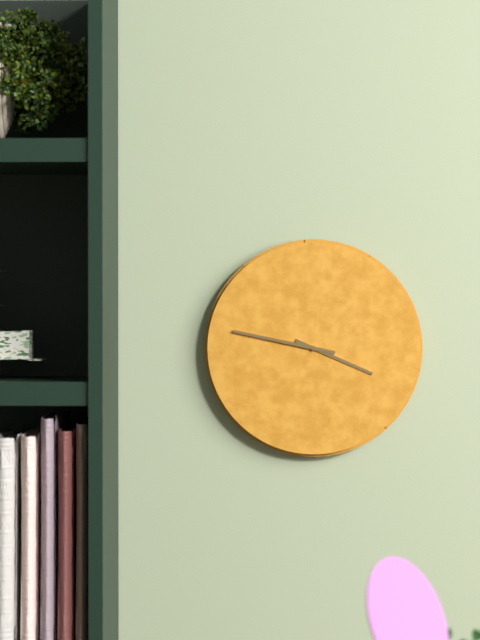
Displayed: 3 h 47 min
